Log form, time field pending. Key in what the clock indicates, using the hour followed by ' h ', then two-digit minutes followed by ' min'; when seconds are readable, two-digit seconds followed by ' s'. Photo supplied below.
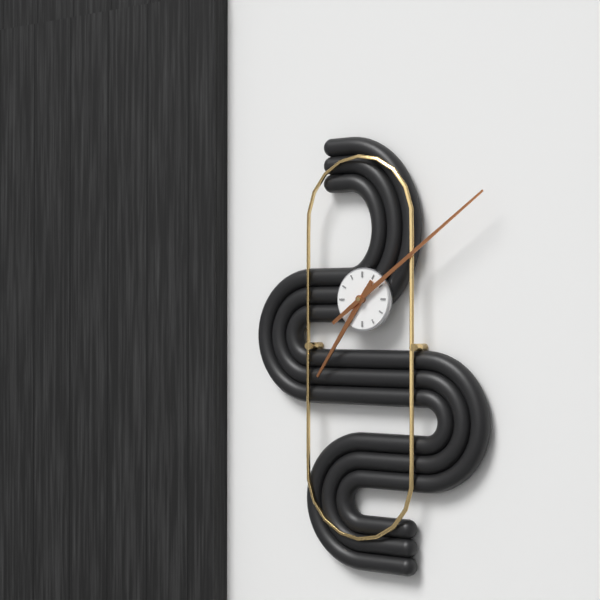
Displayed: 7 h 09 min
